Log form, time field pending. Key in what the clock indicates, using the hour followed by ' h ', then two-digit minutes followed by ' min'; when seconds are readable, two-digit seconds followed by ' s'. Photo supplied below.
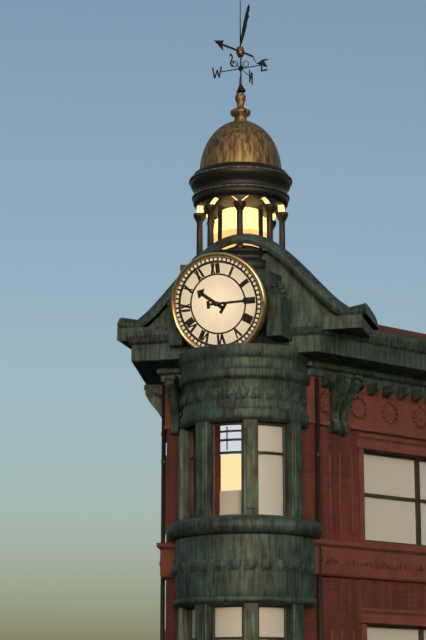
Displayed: 10 h 15 min
